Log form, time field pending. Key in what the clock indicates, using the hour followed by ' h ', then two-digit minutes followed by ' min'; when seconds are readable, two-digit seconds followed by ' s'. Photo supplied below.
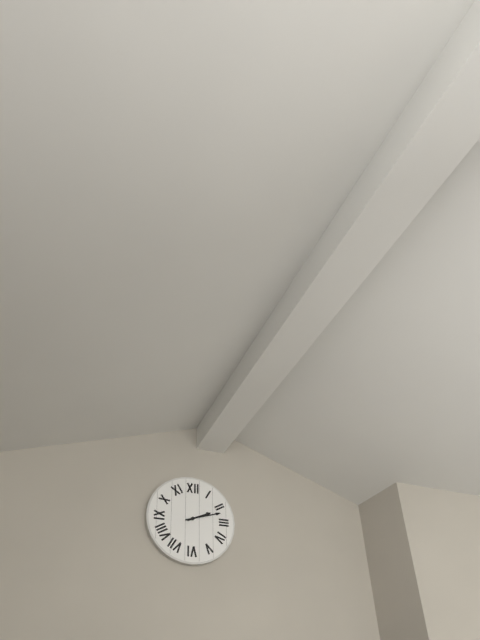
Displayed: 2 h 12 min
